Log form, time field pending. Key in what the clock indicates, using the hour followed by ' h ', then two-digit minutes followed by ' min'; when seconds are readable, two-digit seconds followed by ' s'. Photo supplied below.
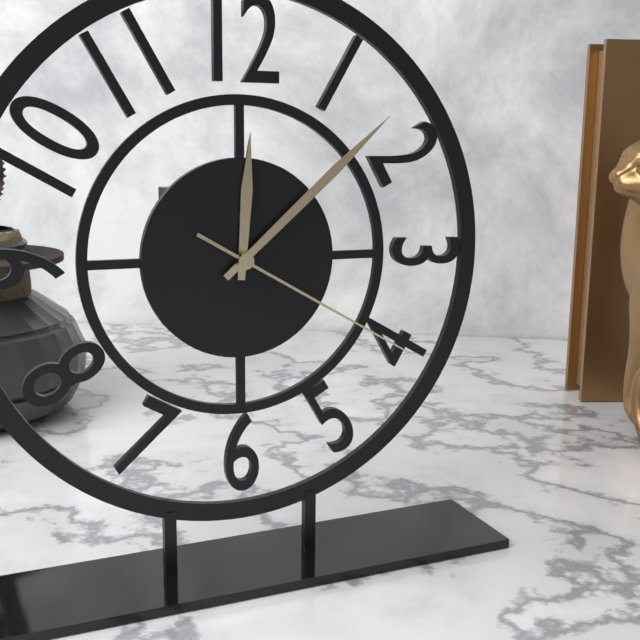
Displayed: 12 h 08 min 20 s
